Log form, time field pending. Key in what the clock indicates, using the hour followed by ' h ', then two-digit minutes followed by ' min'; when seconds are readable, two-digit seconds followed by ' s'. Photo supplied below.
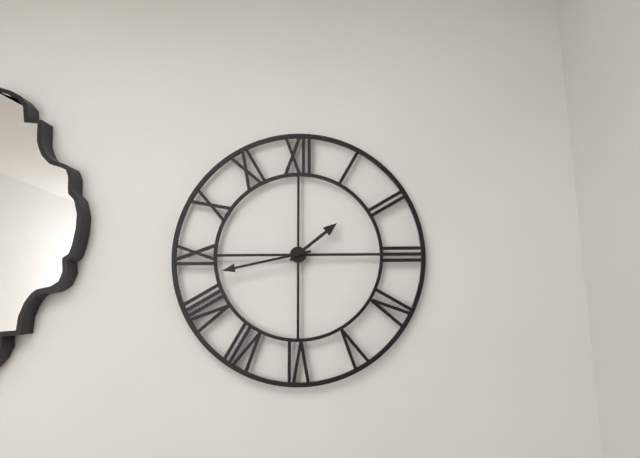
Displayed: 1 h 43 min
